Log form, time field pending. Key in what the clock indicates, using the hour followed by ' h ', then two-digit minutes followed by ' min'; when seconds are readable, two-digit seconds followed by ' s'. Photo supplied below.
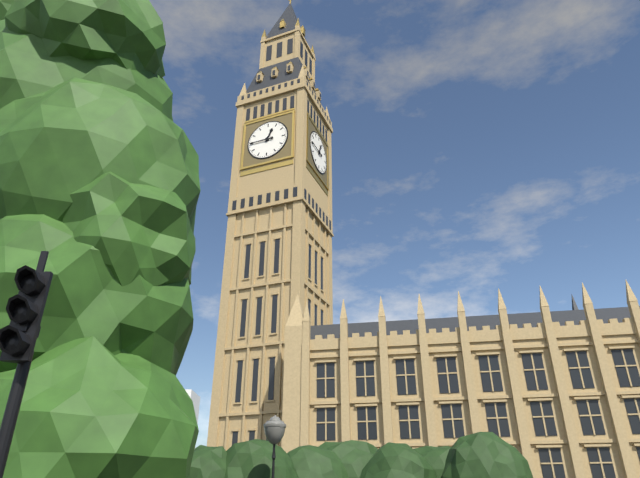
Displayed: 12 h 45 min
